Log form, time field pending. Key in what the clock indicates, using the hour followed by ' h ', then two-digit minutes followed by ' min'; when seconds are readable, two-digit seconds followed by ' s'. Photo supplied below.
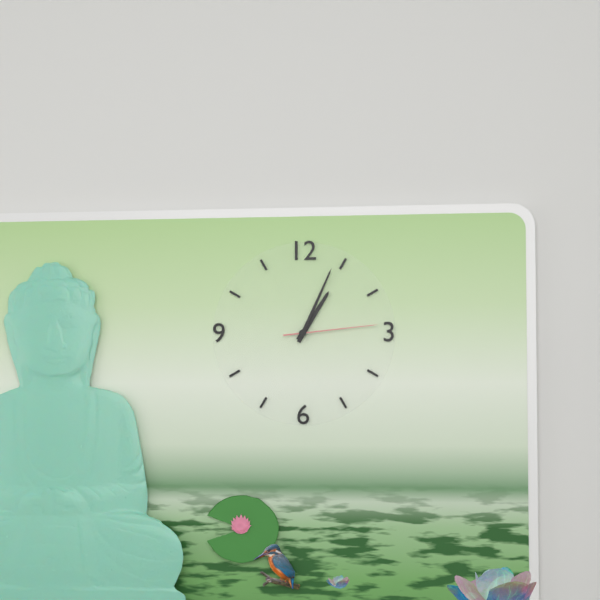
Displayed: 1 h 04 min 14 s
